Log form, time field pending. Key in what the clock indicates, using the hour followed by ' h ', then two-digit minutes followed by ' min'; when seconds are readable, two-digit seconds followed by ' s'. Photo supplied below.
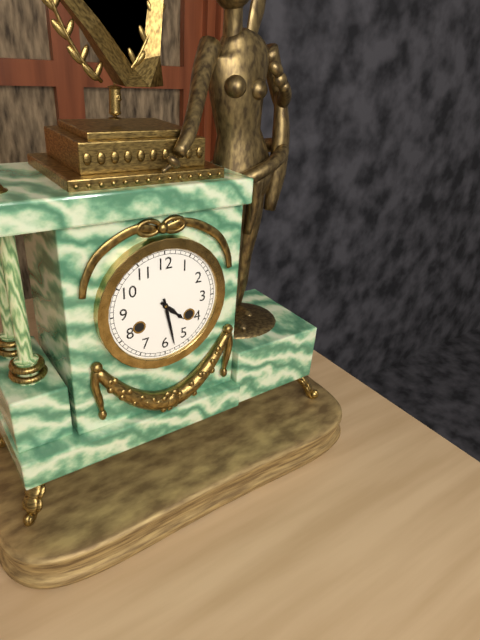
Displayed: 4 h 28 min
